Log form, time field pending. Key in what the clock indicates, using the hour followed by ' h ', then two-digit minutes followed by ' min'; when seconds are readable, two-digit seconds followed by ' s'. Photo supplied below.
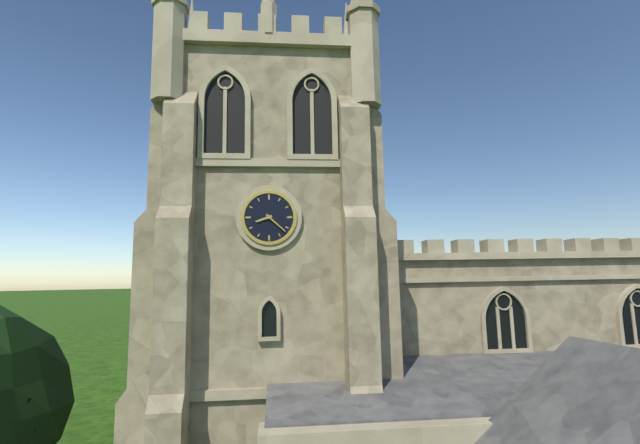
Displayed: 8 h 22 min
